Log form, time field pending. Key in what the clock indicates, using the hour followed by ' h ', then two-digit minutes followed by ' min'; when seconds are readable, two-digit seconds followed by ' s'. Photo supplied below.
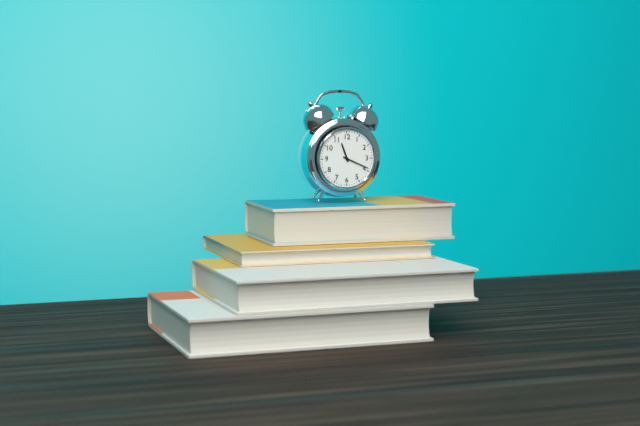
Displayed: 11 h 19 min
